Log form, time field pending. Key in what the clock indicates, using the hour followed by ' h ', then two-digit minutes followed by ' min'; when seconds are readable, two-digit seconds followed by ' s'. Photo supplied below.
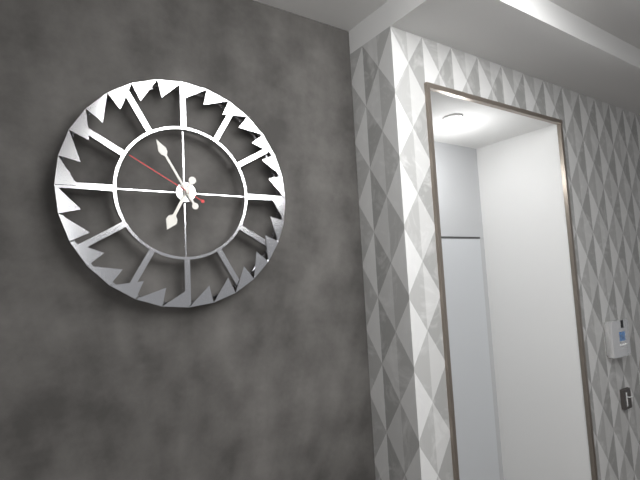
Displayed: 6 h 55 min 50 s
